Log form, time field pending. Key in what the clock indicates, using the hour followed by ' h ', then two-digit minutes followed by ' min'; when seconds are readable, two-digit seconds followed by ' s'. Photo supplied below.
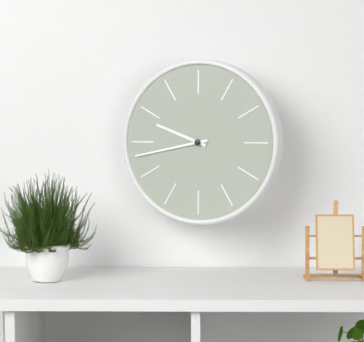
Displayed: 9 h 43 min
